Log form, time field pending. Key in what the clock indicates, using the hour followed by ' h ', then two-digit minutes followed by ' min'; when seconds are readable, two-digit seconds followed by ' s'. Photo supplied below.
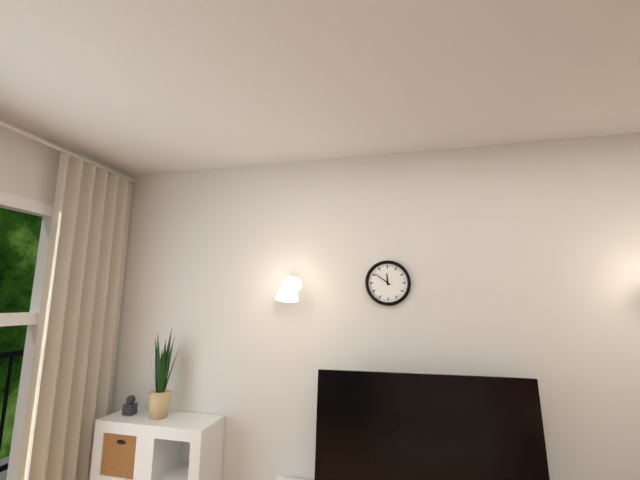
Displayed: 11 h 51 min
